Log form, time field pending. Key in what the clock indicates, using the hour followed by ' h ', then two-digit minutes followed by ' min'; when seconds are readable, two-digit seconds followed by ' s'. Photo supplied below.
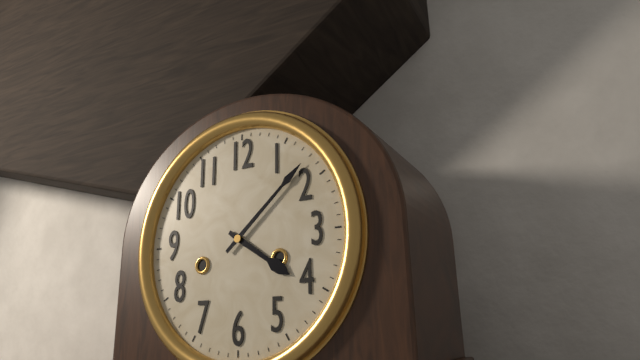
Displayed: 4 h 08 min
